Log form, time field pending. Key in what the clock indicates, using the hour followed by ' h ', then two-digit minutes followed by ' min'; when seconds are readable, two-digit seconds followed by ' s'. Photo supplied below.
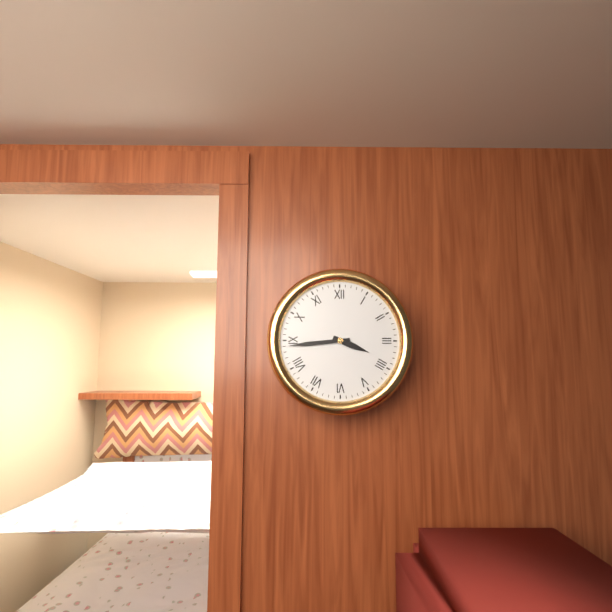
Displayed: 3 h 44 min
